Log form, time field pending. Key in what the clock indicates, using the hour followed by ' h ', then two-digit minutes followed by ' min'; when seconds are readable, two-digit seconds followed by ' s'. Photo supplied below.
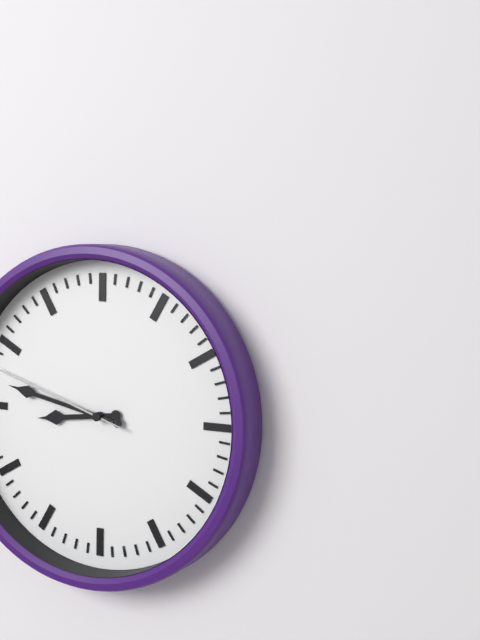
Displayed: 8 h 47 min
